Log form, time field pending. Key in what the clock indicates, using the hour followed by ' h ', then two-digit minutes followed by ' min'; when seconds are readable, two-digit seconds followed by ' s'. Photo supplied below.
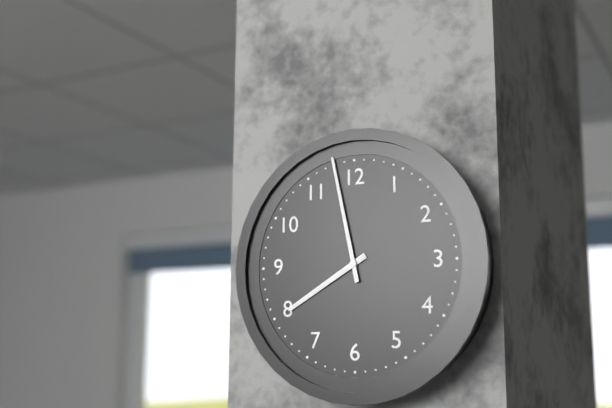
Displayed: 7 h 58 min
